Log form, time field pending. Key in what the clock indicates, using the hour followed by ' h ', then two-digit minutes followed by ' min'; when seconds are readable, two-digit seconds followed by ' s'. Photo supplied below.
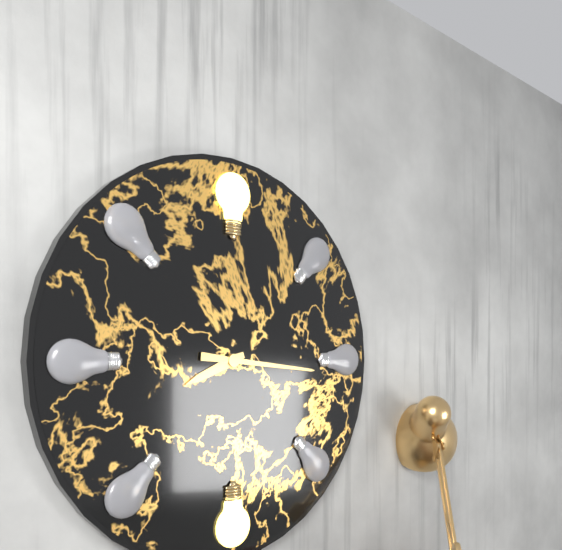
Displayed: 8 h 16 min
